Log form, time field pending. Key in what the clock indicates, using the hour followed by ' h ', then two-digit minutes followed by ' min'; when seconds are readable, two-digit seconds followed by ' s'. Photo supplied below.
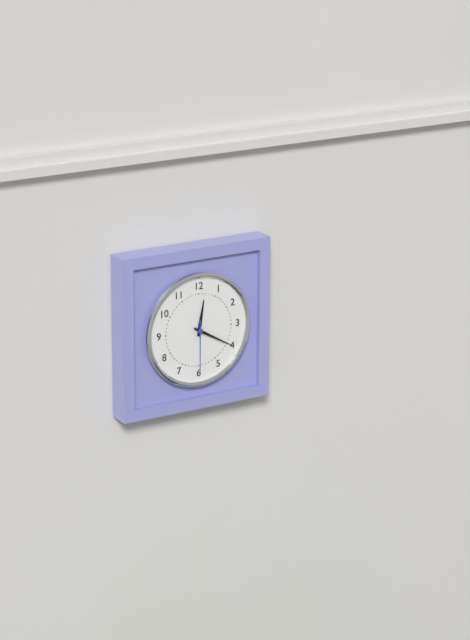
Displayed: 12 h 20 min 30 s
